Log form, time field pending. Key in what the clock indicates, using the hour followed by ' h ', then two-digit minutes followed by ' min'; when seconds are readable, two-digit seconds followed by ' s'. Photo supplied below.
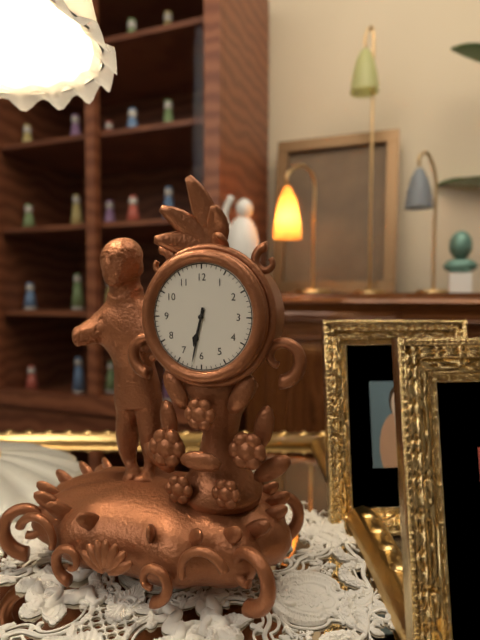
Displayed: 6 h 32 min
